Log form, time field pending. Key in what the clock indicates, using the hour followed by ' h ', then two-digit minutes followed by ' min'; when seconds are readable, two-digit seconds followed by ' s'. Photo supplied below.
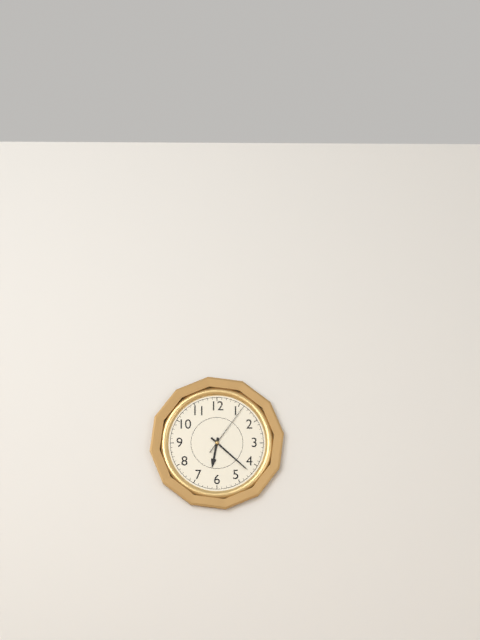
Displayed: 6 h 22 min 06 s
